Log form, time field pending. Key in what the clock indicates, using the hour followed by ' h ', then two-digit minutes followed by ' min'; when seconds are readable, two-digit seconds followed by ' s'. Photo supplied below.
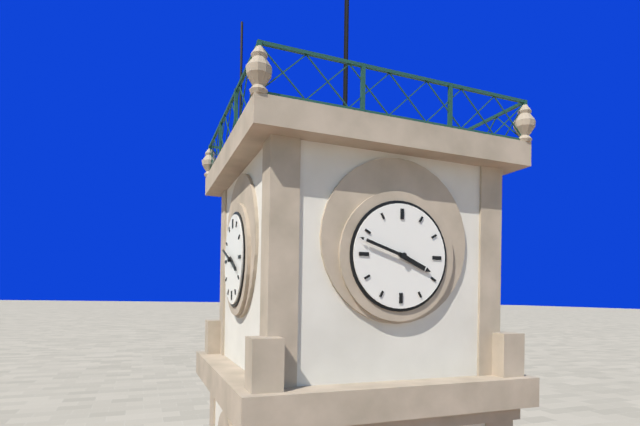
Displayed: 3 h 48 min
